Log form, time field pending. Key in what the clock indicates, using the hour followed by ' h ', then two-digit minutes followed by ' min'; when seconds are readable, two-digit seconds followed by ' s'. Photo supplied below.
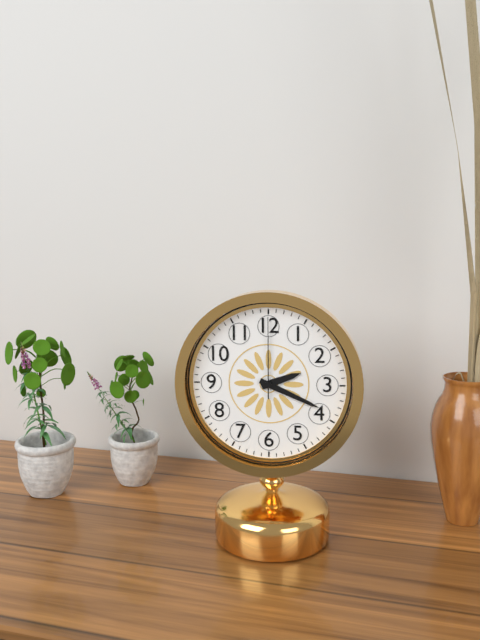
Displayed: 2 h 19 min 00 s
